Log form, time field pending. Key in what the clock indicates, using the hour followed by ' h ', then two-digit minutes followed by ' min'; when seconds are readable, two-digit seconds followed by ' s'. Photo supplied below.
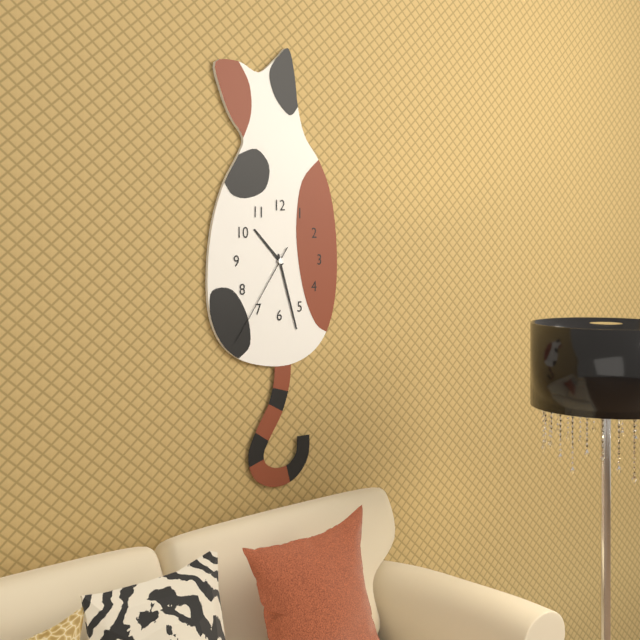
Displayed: 10 h 27 min 36 s
